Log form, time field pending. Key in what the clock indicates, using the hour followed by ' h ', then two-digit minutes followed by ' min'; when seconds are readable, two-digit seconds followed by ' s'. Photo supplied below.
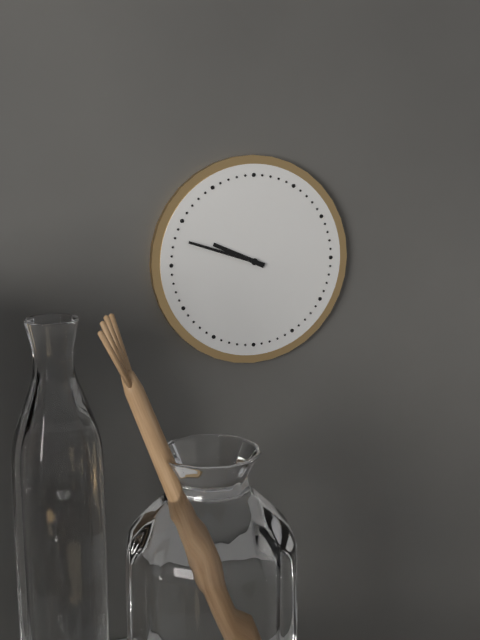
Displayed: 9 h 48 min
